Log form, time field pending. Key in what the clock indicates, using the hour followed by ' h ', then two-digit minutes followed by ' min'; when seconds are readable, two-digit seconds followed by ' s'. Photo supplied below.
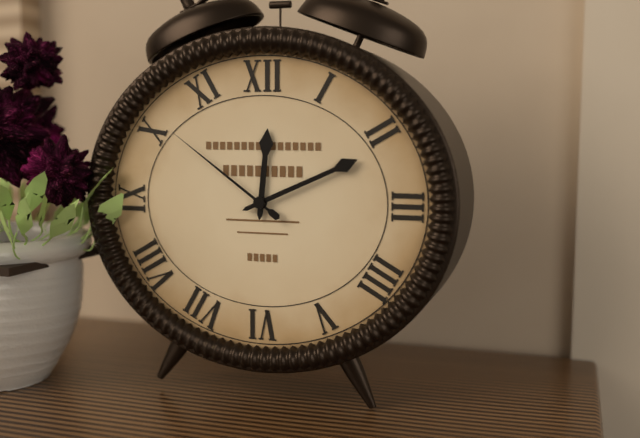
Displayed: 12 h 11 min 51 s
